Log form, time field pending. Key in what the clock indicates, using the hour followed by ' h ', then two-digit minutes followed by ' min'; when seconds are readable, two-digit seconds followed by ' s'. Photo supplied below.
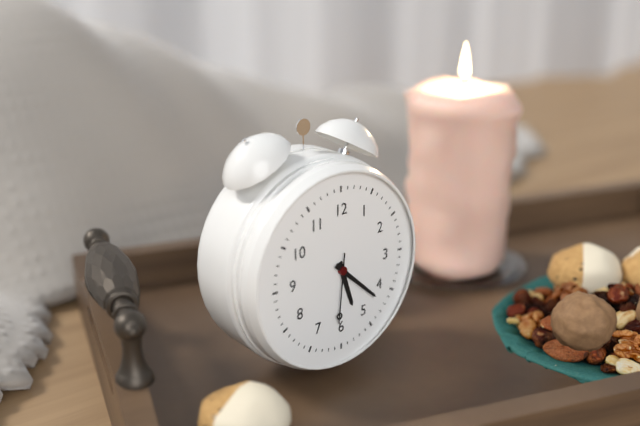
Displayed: 5 h 22 min 31 s
